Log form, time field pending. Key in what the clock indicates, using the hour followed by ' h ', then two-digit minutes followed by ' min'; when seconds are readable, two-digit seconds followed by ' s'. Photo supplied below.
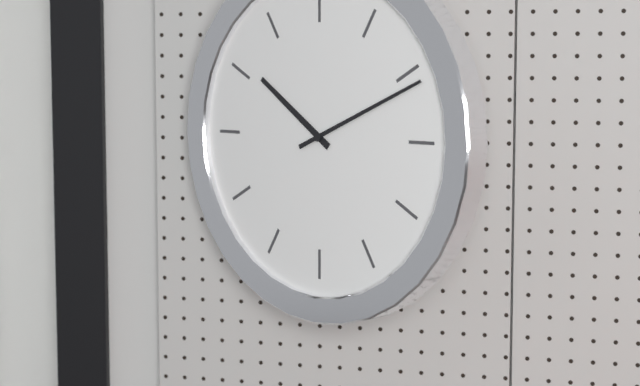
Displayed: 10 h 11 min
